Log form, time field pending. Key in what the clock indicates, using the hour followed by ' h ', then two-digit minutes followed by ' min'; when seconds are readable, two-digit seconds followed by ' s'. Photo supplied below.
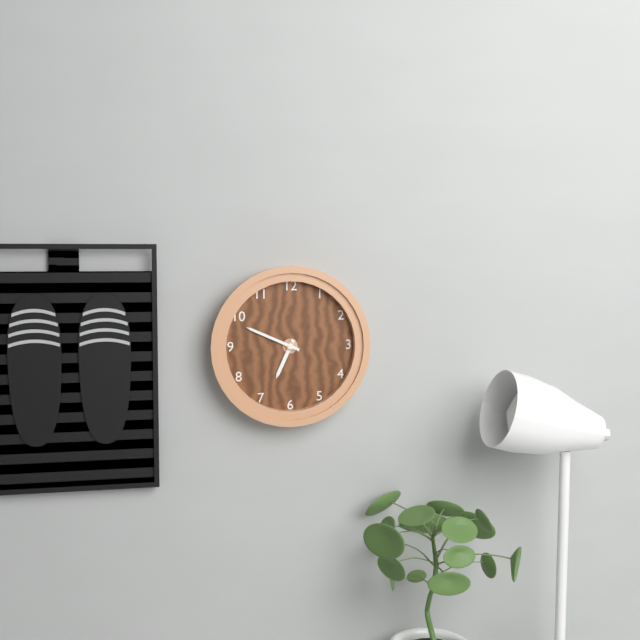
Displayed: 6 h 49 min
